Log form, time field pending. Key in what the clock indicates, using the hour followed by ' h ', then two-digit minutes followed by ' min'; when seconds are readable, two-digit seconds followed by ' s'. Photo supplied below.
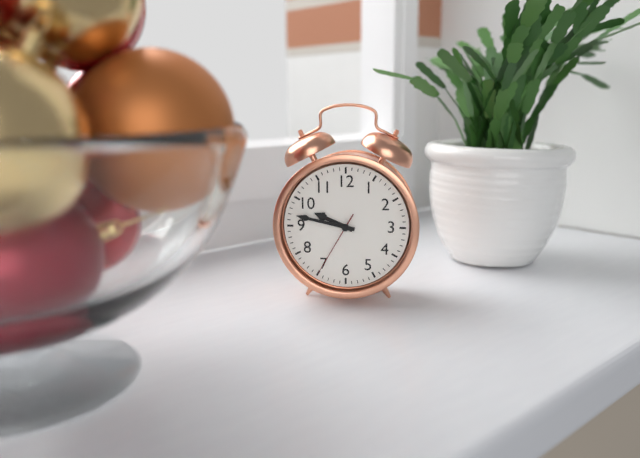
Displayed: 9 h 47 min 35 s
